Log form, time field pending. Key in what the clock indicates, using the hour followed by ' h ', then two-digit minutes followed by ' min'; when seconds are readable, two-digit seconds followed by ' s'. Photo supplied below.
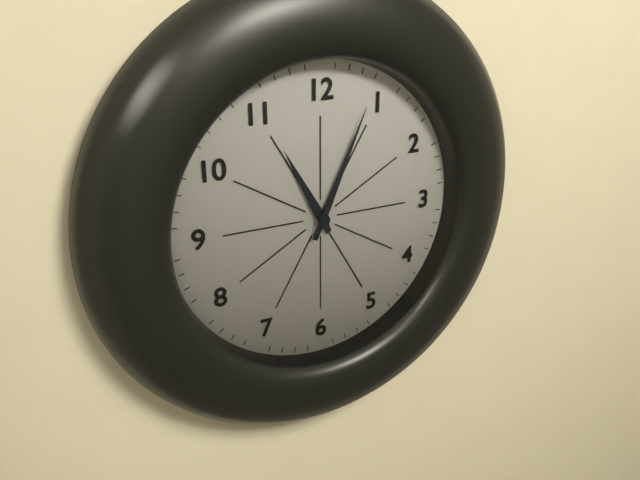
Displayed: 11 h 04 min
